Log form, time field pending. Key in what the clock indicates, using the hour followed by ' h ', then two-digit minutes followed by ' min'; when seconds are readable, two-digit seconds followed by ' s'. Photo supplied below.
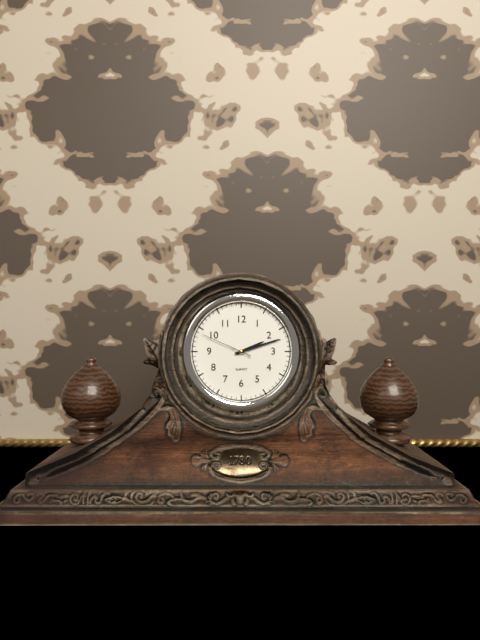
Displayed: 2 h 12 min 49 s
